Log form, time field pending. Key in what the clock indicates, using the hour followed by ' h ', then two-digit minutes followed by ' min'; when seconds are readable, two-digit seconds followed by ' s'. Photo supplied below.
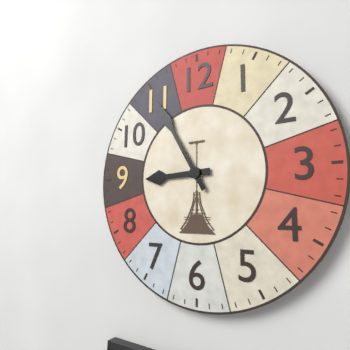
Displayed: 8 h 55 min
